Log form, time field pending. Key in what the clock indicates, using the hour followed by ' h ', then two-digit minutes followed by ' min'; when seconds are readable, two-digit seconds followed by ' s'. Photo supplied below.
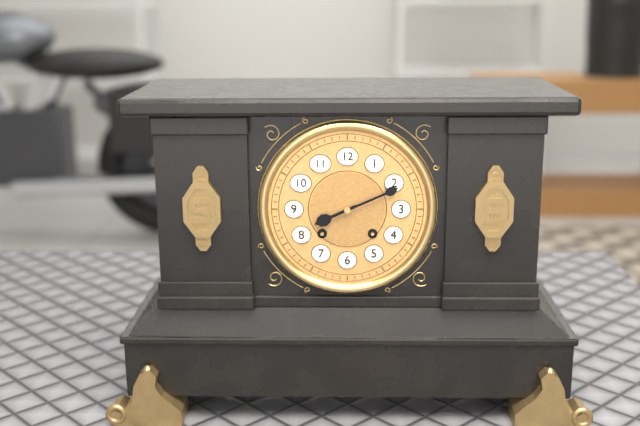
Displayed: 8 h 11 min
